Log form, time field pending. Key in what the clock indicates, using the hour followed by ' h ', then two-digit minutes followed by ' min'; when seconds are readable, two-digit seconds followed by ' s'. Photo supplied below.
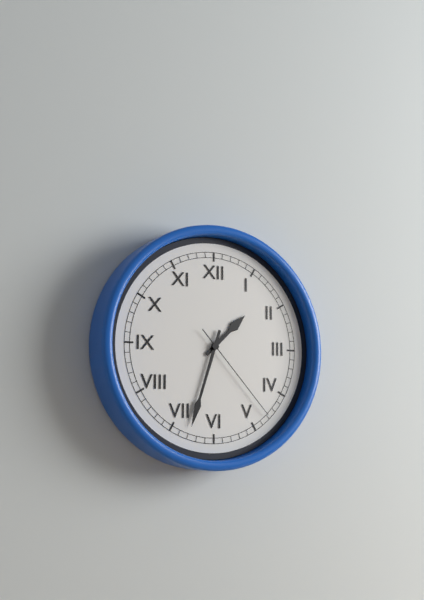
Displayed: 1 h 33 min 23 s
